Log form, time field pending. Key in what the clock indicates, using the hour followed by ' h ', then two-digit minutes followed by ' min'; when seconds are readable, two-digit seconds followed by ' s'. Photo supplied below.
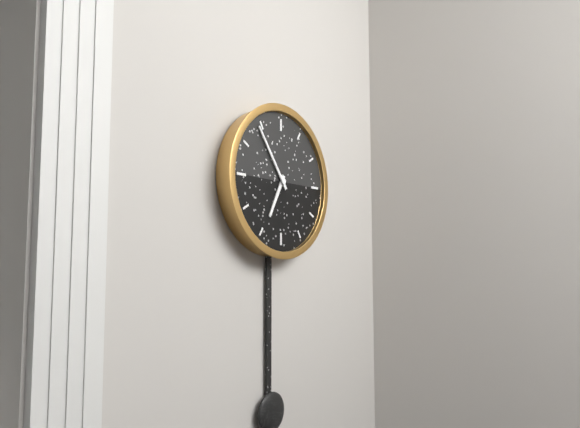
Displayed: 6 h 54 min
